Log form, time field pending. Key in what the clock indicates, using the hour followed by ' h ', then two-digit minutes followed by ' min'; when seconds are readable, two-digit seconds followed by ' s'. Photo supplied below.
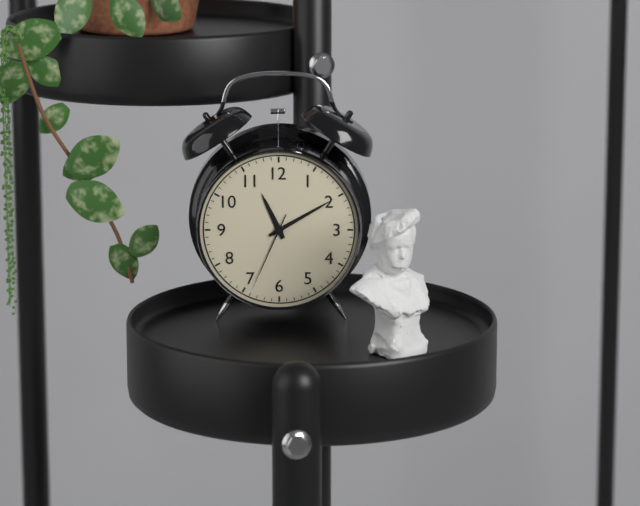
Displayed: 11 h 10 min 34 s
